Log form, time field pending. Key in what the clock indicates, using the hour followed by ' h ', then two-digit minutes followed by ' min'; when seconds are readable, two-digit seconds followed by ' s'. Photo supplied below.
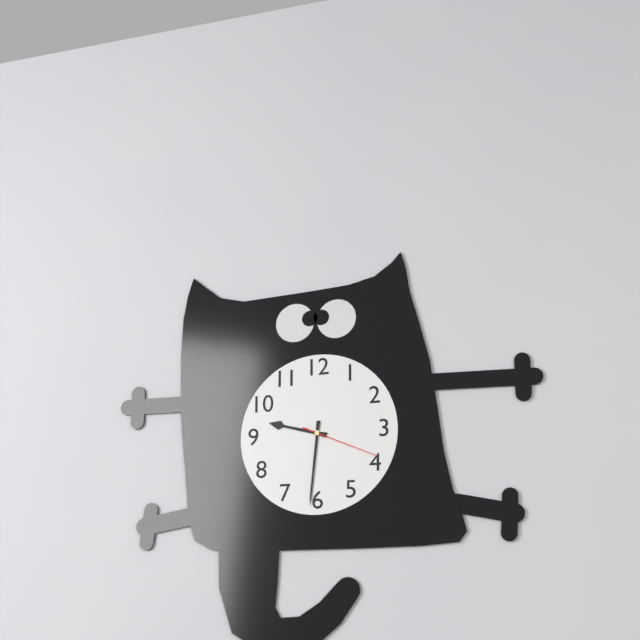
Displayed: 9 h 31 min 19 s
